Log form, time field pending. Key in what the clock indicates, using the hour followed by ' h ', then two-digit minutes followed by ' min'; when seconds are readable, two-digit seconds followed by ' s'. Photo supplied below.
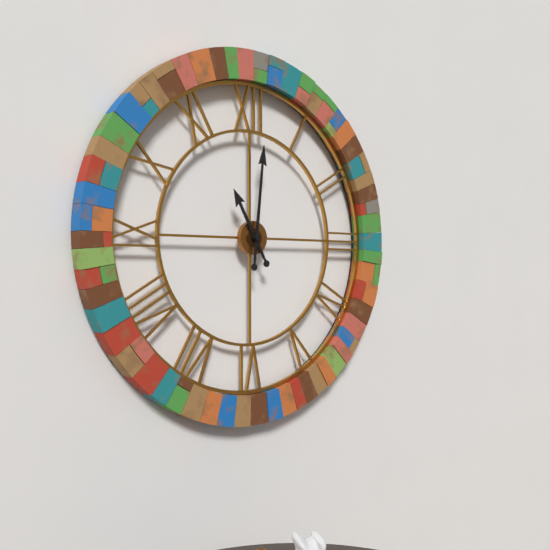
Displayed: 11 h 01 min
